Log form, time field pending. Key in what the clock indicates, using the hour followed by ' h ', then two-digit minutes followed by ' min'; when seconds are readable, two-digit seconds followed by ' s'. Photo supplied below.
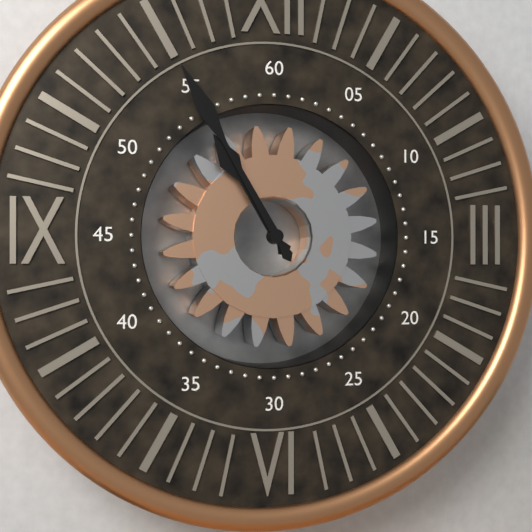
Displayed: 10 h 55 min
